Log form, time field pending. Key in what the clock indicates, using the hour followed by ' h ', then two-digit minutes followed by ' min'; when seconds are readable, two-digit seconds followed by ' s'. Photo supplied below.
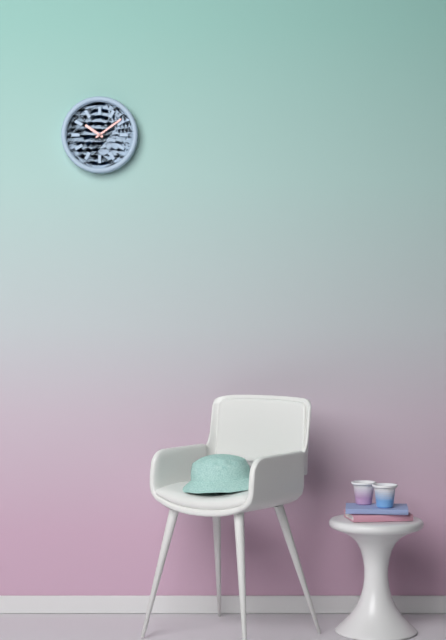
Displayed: 10 h 09 min
